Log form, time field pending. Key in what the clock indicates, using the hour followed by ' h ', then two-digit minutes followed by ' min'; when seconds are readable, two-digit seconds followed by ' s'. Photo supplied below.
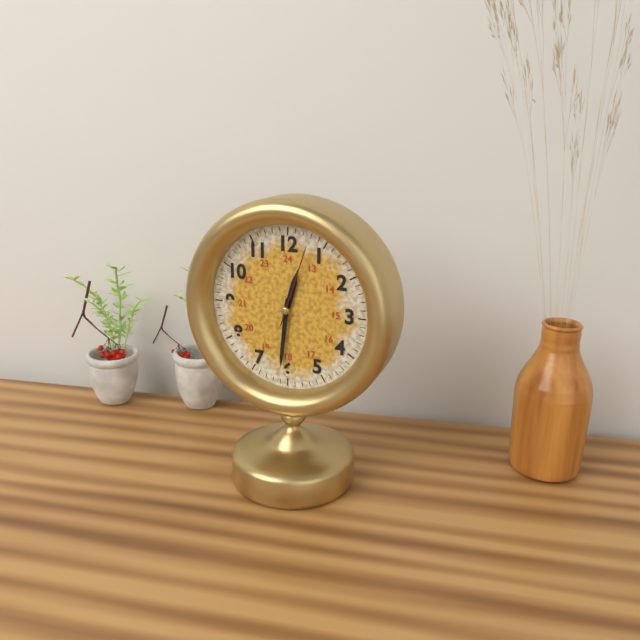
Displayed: 12 h 31 min 03 s
